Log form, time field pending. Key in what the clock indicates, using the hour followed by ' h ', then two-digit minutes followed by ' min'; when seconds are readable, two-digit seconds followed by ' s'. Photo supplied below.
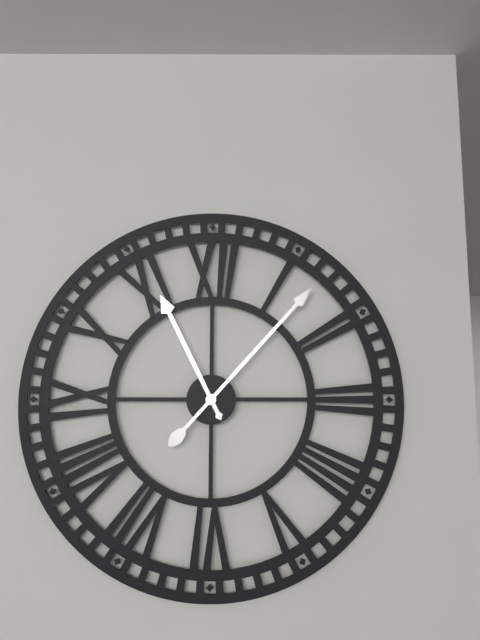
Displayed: 11 h 07 min
